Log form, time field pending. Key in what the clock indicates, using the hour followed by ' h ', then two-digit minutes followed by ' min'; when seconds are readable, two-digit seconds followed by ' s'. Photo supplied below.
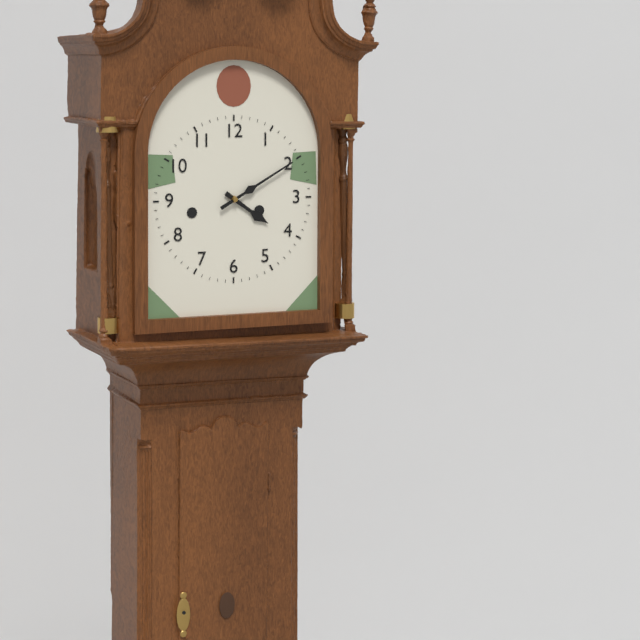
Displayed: 4 h 10 min
